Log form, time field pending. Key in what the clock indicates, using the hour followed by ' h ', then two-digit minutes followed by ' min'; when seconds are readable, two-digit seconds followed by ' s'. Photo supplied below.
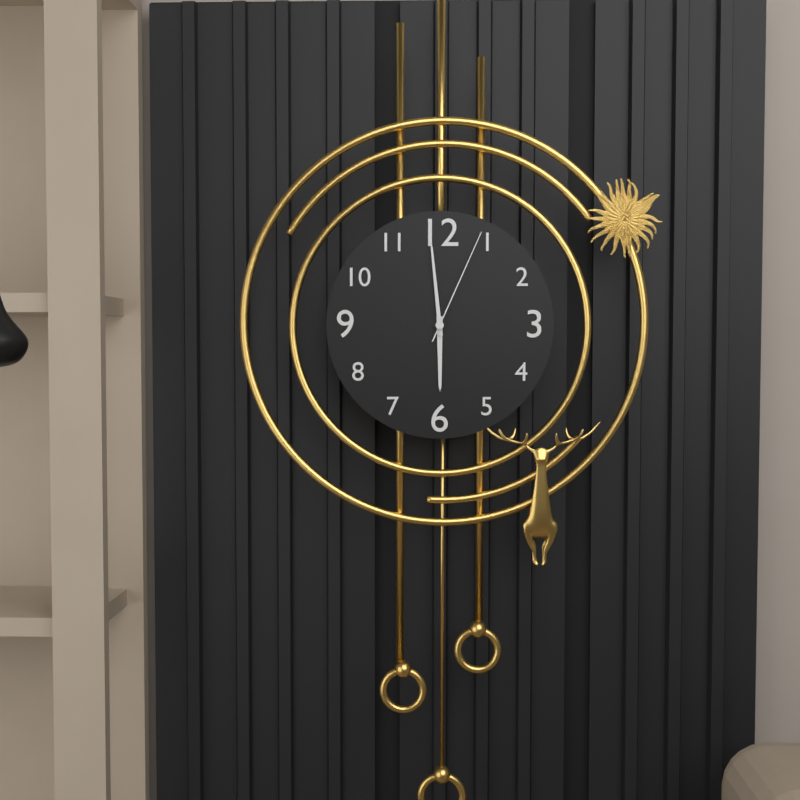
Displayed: 5 h 59 min 04 s
